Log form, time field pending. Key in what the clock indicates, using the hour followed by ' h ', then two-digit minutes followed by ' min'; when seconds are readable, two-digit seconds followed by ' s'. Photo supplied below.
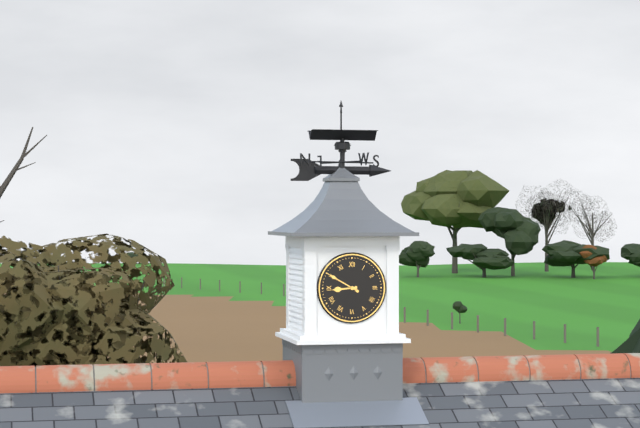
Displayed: 8 h 50 min
